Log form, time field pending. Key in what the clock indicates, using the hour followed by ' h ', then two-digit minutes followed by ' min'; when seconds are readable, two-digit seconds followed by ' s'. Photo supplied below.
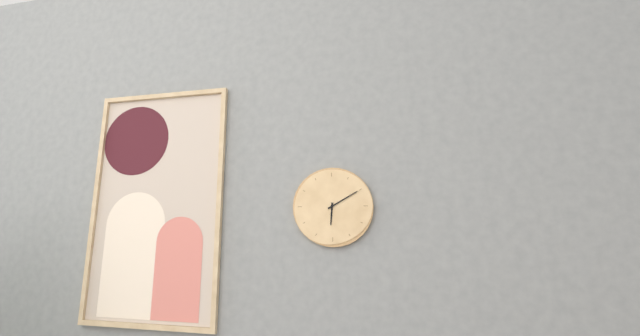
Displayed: 6 h 10 min
